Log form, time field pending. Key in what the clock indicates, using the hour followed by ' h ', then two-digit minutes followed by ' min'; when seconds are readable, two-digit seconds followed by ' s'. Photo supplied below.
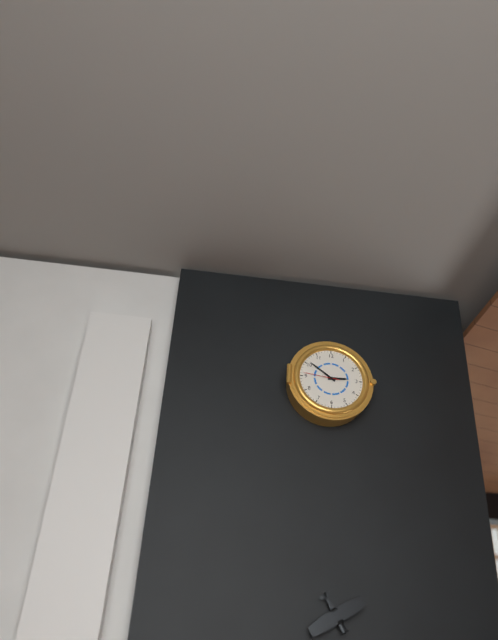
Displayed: 2 h 51 min
